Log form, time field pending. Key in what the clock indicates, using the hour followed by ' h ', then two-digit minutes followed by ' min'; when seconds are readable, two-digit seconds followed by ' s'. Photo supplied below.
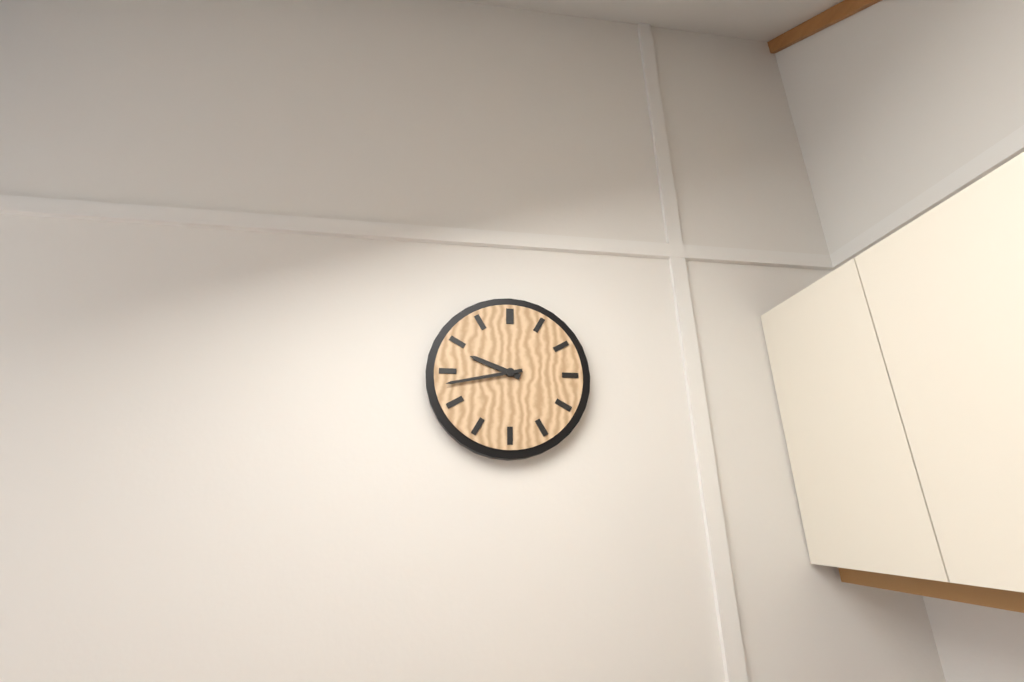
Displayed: 9 h 43 min
